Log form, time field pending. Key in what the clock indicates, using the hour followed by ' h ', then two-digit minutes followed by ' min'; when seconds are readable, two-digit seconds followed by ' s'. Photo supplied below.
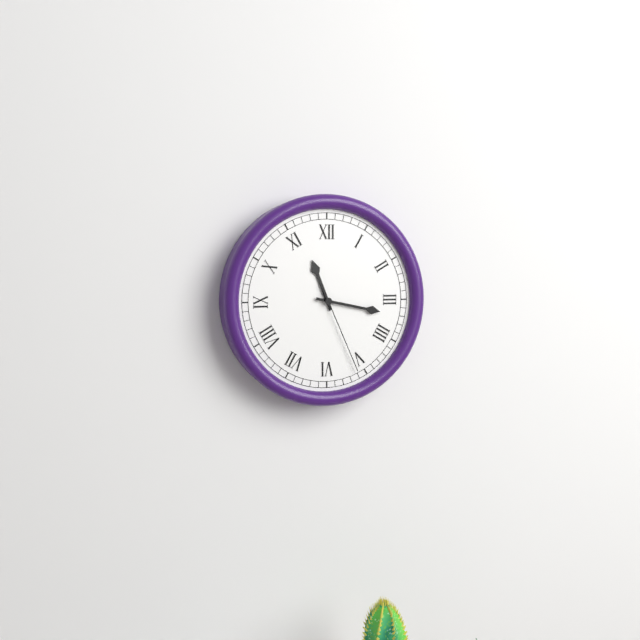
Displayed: 11 h 17 min 26 s
